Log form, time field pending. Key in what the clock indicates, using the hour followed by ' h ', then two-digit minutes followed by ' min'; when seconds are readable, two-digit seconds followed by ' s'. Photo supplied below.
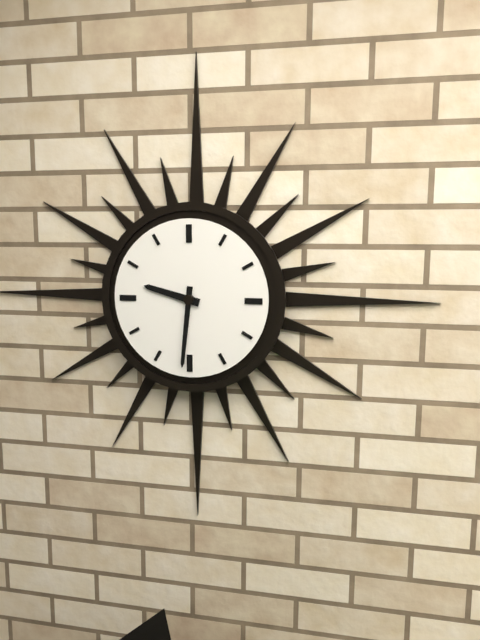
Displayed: 9 h 31 min
